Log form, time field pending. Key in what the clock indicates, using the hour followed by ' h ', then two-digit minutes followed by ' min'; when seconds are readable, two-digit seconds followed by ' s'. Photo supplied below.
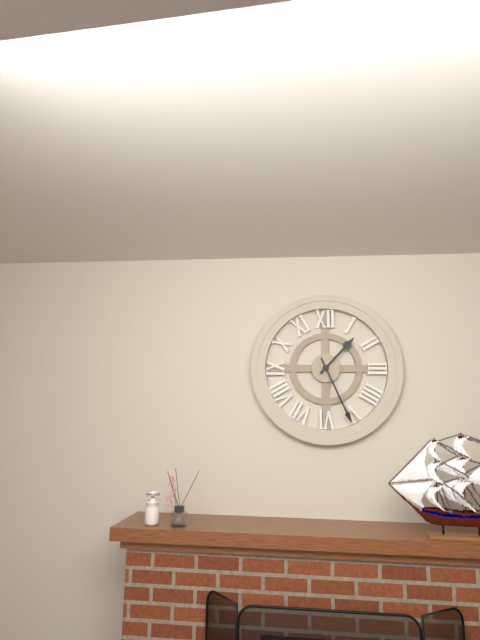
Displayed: 1 h 26 min
